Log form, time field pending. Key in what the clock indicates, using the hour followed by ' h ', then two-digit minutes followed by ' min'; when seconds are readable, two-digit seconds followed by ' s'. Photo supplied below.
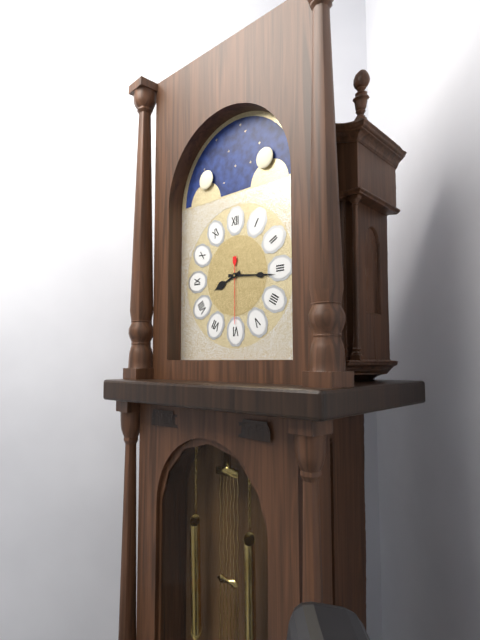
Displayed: 8 h 16 min 30 s
